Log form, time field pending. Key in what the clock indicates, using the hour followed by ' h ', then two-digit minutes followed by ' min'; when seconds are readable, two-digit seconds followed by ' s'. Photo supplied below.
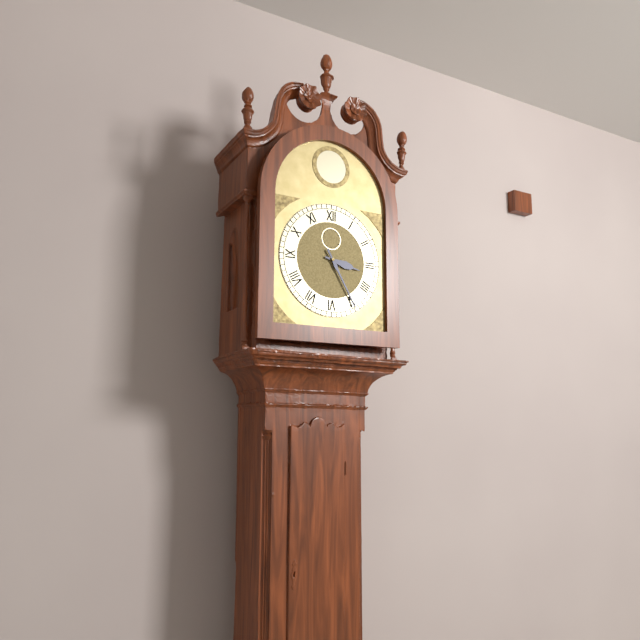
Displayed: 3 h 25 min
